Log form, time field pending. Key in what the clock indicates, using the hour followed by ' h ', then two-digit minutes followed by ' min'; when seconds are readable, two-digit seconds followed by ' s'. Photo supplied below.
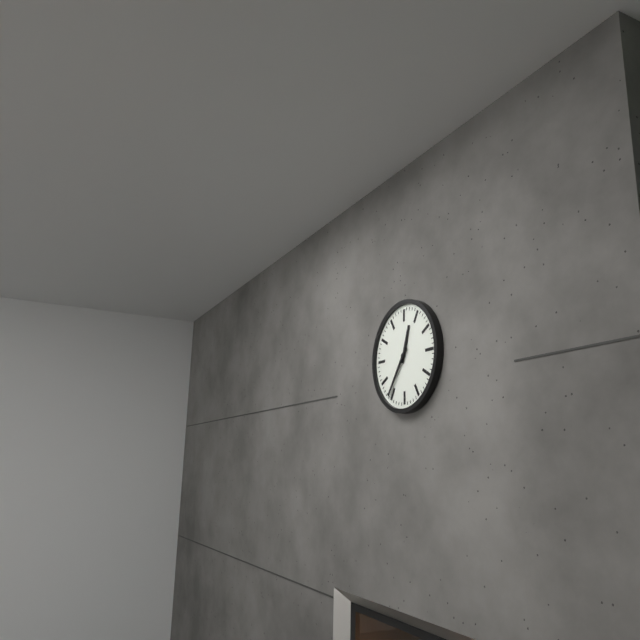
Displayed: 12 h 36 min
